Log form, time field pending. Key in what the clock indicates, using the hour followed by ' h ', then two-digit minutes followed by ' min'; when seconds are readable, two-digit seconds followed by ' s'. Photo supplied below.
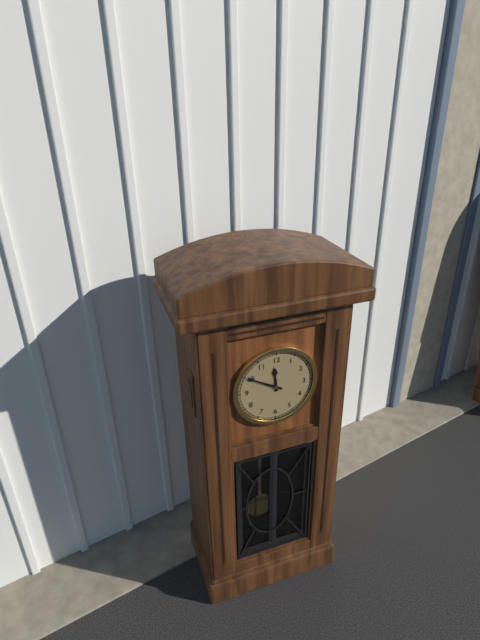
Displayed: 11 h 50 min
